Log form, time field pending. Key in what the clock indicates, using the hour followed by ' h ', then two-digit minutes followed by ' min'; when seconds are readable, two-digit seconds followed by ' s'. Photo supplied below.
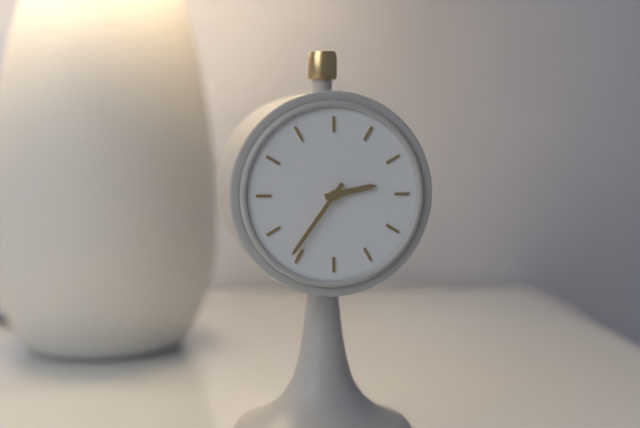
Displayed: 2 h 36 min
